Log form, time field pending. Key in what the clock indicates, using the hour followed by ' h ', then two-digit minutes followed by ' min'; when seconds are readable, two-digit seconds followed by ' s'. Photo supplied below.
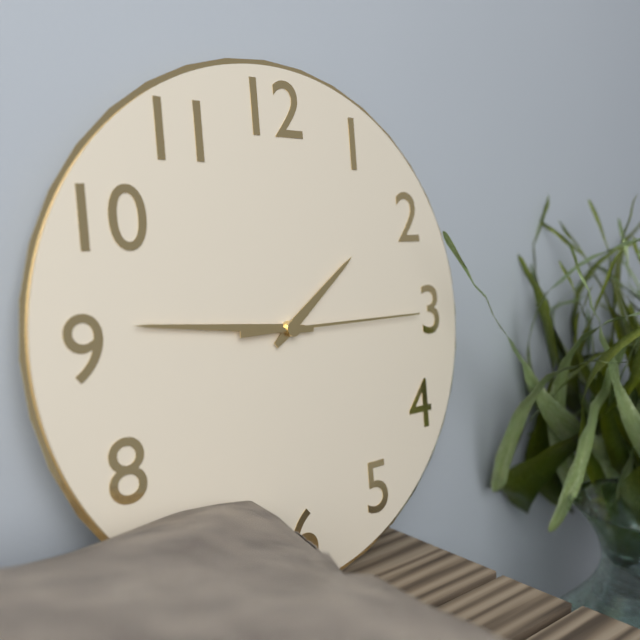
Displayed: 1 h 46 min 15 s
